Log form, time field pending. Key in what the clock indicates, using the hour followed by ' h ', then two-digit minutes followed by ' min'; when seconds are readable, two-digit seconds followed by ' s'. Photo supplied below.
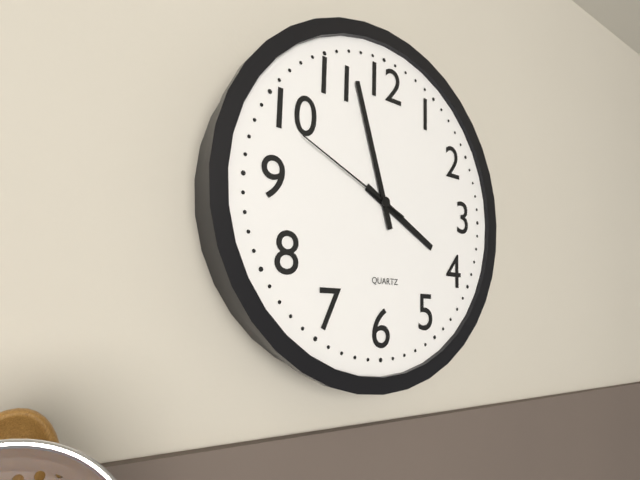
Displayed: 3 h 57 min 49 s
